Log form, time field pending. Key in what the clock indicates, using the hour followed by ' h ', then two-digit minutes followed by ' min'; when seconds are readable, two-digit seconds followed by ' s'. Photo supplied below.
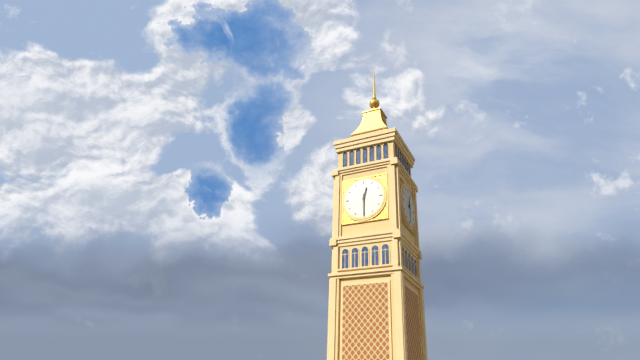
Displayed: 12 h 30 min
